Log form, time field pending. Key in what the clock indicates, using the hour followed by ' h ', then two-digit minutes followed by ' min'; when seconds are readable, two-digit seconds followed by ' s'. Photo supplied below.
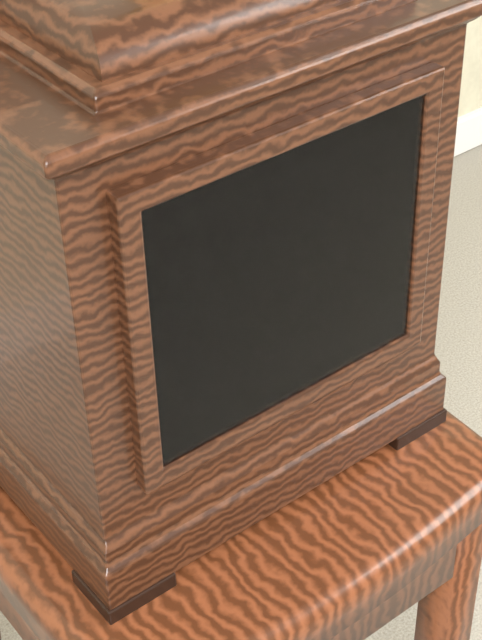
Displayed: 1 h 42 min
